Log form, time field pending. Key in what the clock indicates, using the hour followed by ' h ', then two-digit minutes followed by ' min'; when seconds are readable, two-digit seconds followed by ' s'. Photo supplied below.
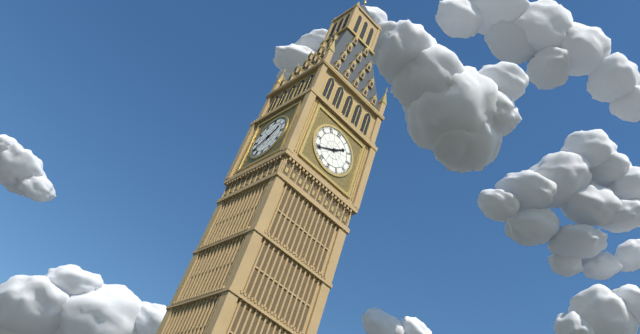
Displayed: 1 h 40 min
